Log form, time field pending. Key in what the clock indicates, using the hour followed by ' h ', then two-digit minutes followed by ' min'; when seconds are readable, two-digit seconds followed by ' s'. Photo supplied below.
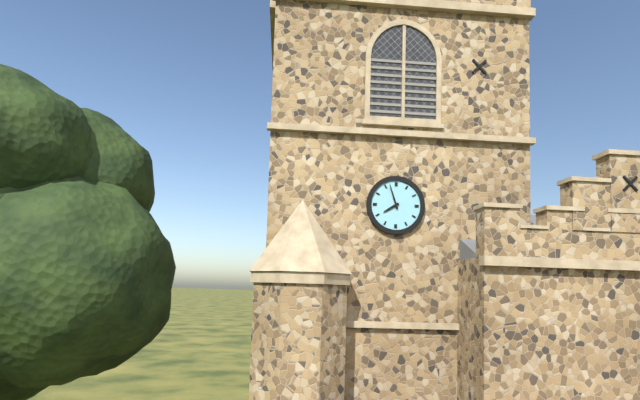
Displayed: 7 h 57 min
